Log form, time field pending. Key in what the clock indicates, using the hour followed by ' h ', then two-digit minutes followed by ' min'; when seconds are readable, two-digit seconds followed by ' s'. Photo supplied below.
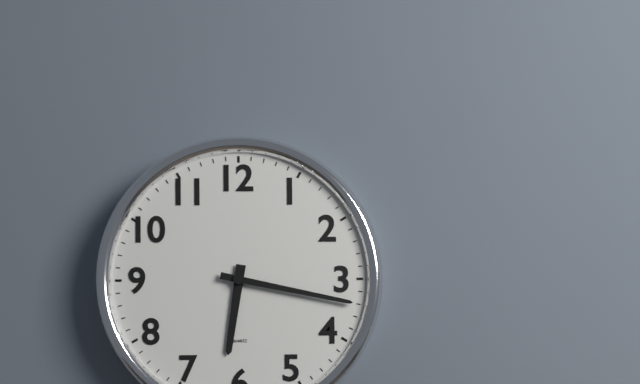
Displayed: 6 h 17 min
